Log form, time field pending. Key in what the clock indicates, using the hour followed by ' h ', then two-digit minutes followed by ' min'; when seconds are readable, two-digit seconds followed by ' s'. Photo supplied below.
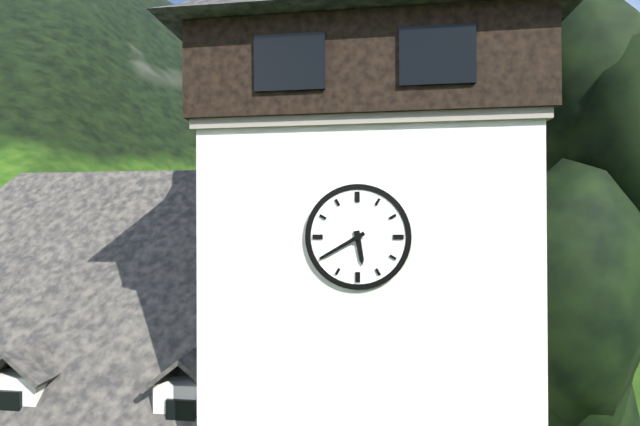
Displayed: 5 h 40 min
